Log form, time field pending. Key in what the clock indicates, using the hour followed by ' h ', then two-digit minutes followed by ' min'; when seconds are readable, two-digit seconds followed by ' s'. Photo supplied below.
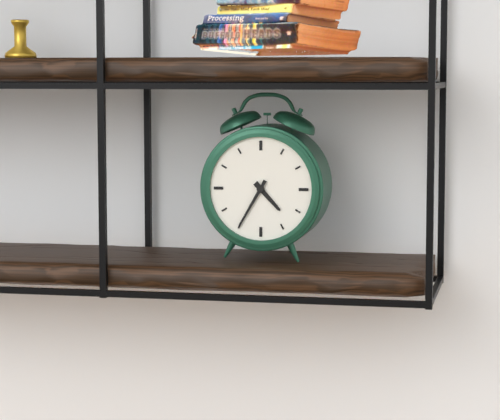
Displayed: 4 h 35 min
